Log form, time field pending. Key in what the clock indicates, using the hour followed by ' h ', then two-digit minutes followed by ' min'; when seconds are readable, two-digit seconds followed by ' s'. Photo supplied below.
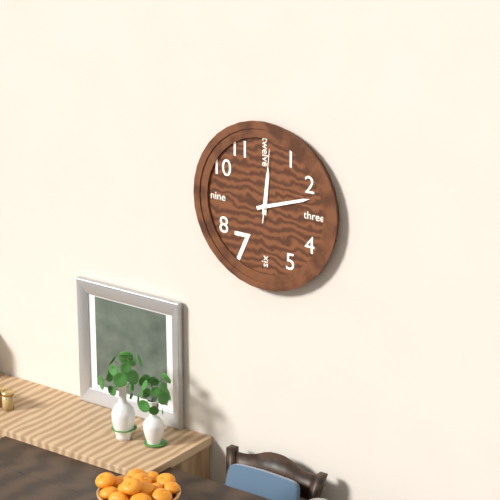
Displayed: 12 h 12 min 01 s
